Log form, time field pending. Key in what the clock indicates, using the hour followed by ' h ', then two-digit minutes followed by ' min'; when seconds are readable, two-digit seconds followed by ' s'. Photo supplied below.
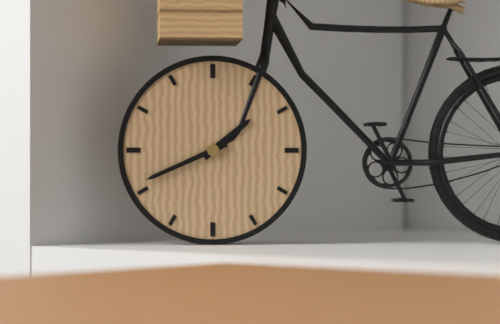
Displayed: 1 h 41 min
